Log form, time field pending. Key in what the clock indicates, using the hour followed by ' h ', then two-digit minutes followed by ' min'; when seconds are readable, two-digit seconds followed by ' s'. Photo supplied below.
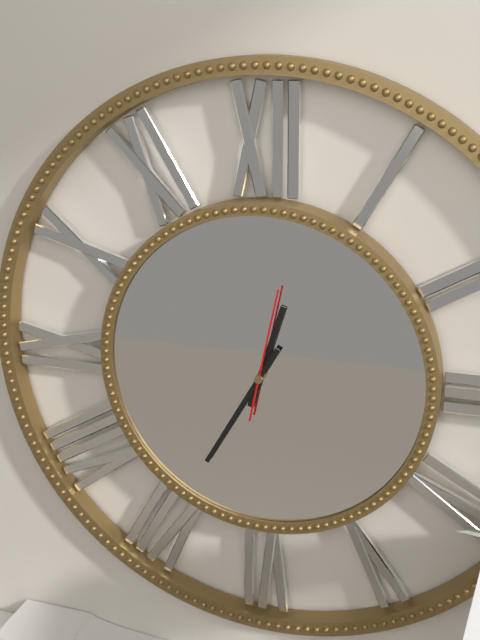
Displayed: 12 h 35 min 02 s
